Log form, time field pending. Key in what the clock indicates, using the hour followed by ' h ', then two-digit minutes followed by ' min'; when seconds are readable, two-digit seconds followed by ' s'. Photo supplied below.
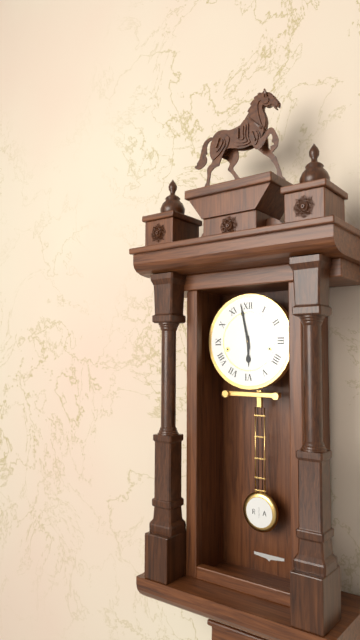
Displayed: 5 h 58 min
